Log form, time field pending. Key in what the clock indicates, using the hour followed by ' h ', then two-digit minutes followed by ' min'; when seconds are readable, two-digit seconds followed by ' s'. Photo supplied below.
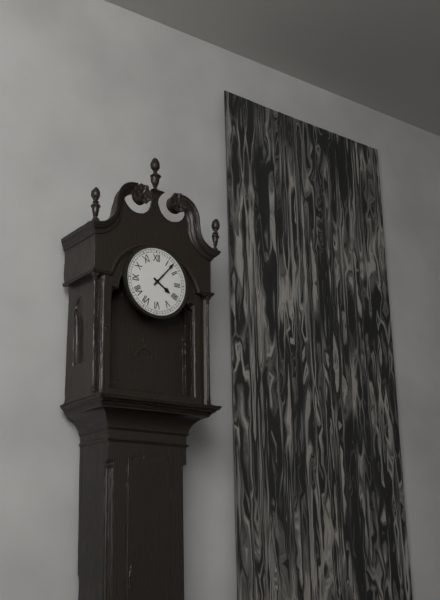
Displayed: 4 h 07 min
